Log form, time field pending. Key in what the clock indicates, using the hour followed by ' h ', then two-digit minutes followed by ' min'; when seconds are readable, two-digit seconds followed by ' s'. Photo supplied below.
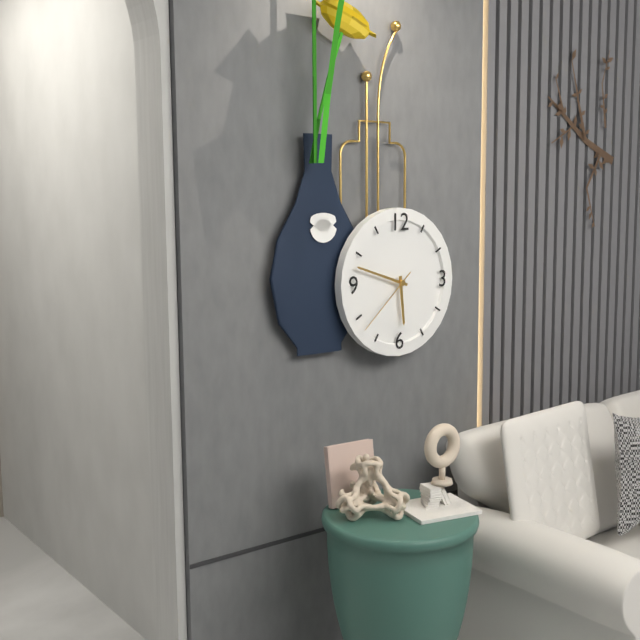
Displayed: 5 h 48 min 38 s
